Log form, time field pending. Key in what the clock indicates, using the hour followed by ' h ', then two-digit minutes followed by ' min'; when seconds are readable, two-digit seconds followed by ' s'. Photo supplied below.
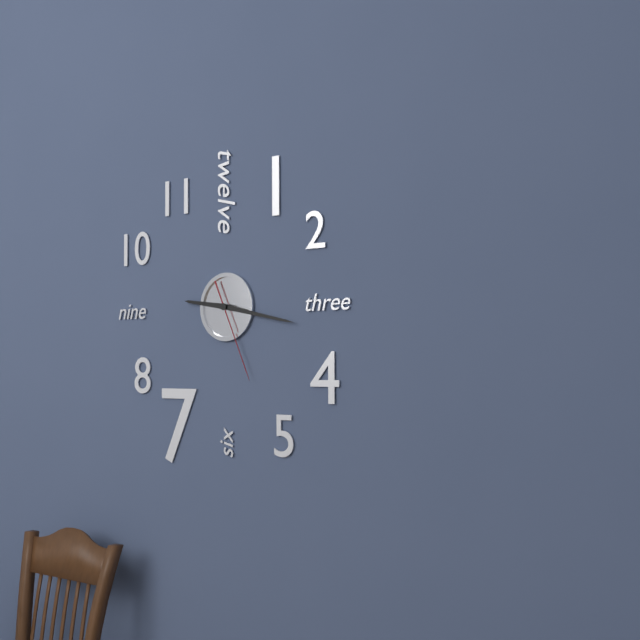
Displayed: 9 h 17 min 26 s
